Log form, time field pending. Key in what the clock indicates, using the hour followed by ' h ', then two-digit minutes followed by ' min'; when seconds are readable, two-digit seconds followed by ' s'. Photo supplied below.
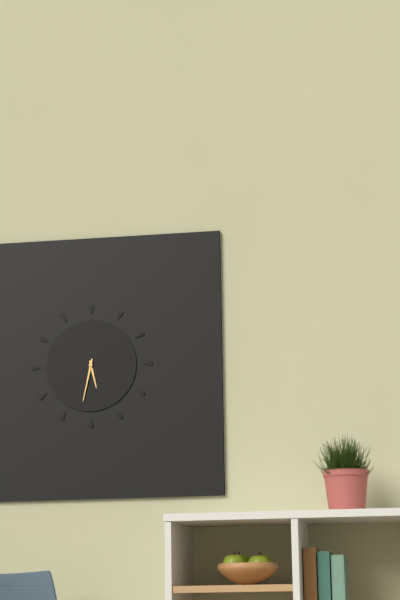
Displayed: 5 h 32 min
